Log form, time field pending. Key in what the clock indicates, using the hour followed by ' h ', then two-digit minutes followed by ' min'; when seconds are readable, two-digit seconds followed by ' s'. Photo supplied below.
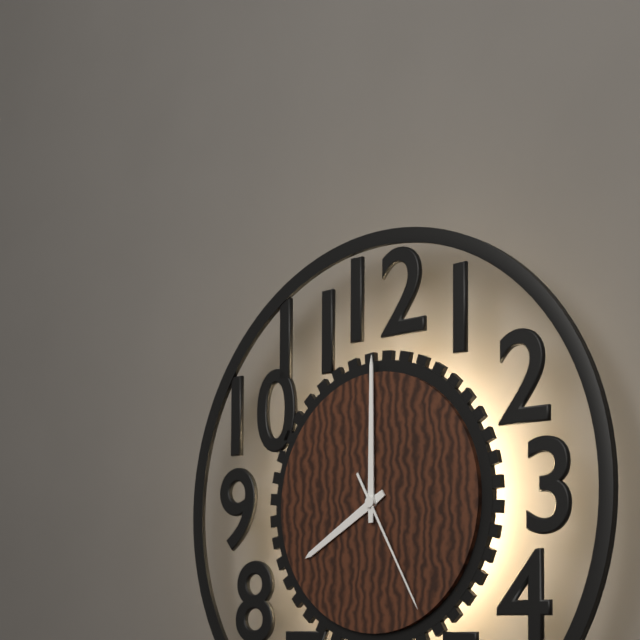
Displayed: 8 h 00 min 25 s
